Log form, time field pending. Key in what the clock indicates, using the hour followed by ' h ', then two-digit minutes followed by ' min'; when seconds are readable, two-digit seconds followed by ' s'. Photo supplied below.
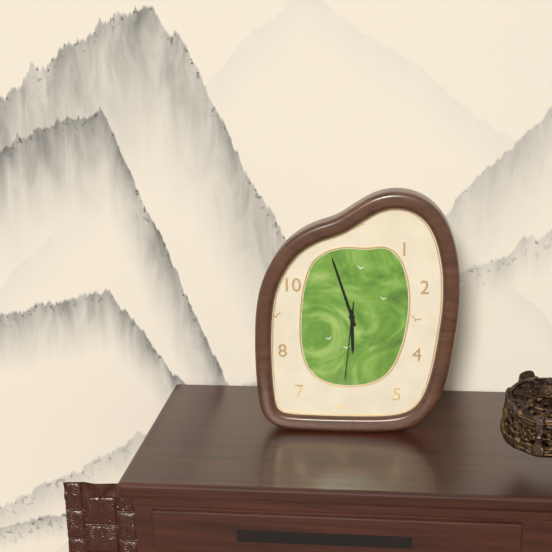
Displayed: 5 h 57 min 31 s
